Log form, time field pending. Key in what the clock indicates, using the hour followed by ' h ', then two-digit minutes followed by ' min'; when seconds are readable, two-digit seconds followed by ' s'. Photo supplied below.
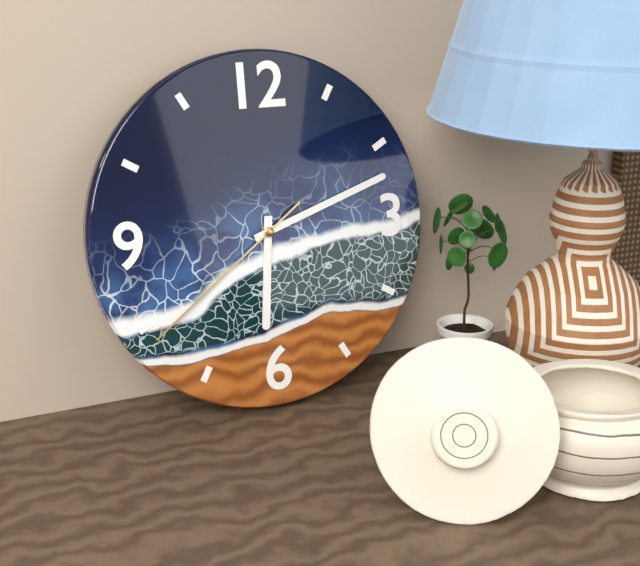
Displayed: 6 h 12 min 39 s
